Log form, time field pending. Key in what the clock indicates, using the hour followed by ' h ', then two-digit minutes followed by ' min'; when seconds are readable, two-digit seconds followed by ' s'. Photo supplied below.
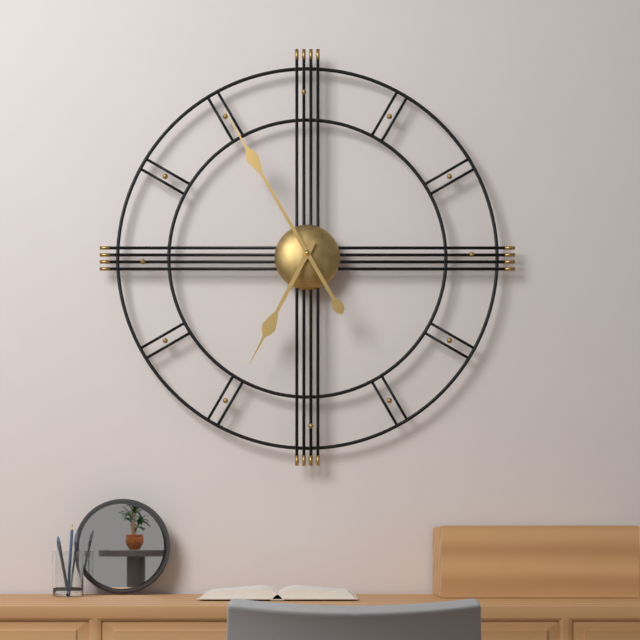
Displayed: 6 h 55 min
